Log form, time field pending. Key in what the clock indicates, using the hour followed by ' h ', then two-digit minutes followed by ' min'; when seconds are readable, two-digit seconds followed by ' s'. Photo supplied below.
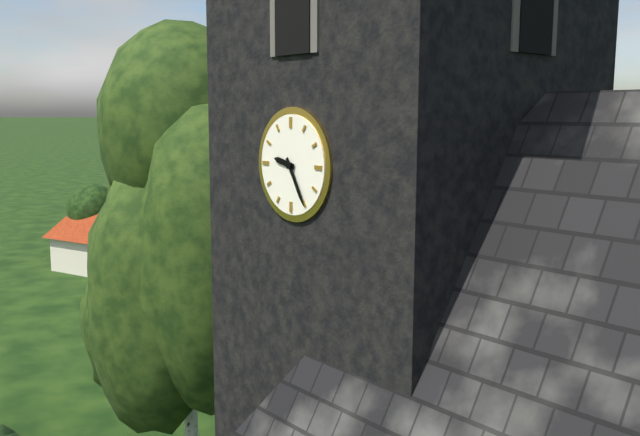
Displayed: 9 h 25 min
